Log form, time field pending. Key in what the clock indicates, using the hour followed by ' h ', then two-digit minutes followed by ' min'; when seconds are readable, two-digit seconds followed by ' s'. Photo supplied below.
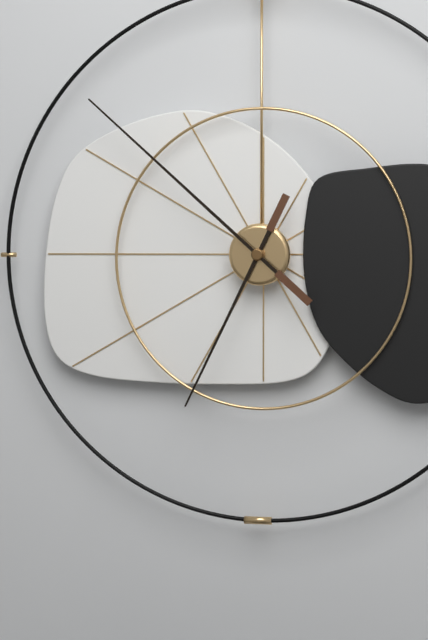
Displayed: 6 h 52 min
